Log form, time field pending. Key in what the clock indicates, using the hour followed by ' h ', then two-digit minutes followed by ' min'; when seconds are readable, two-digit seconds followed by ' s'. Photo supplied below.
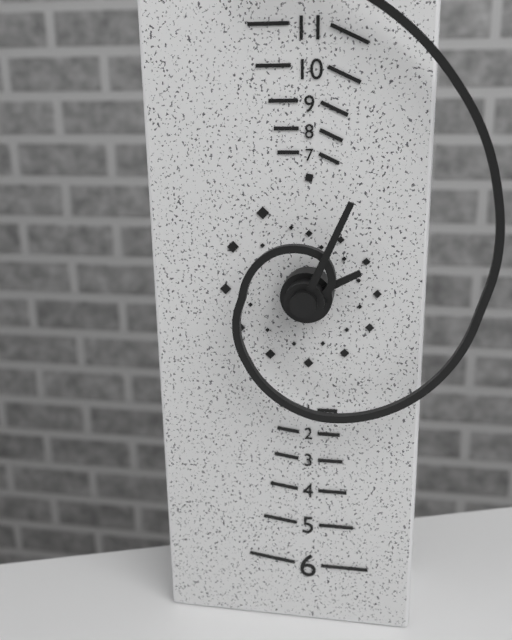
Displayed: 2 h 04 min
